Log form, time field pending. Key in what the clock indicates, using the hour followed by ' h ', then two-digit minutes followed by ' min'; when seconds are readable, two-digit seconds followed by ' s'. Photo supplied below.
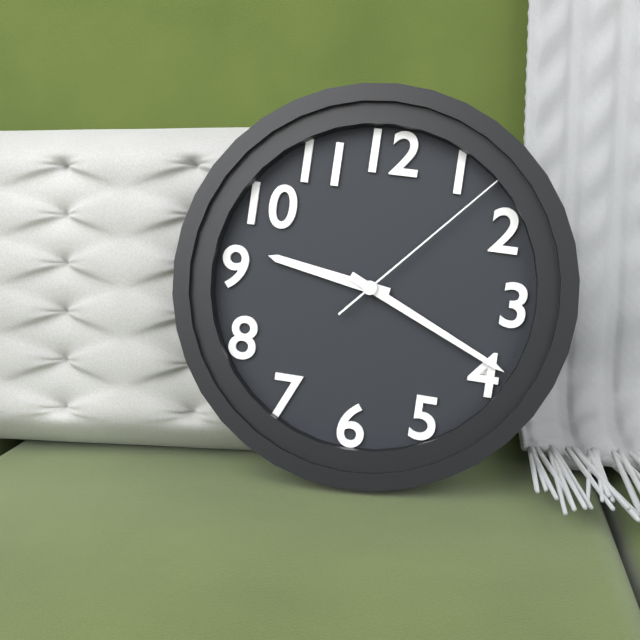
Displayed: 9 h 19 min 07 s
